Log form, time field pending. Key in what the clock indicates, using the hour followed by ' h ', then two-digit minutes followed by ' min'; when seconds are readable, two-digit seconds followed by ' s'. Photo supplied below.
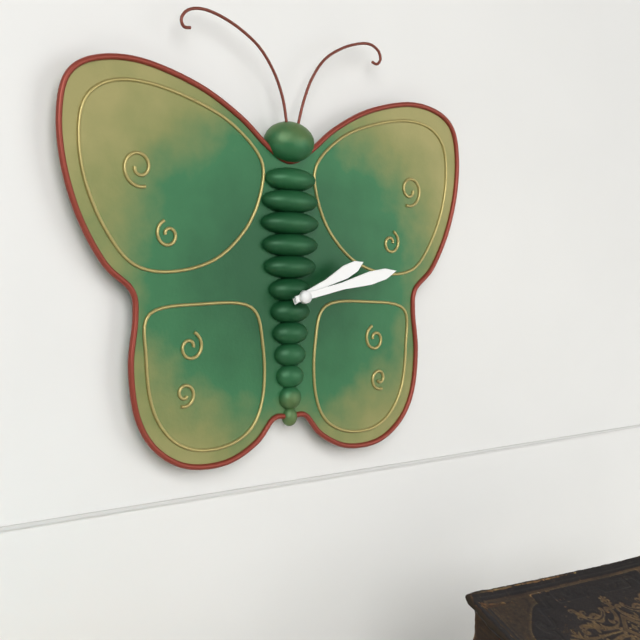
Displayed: 2 h 13 min
